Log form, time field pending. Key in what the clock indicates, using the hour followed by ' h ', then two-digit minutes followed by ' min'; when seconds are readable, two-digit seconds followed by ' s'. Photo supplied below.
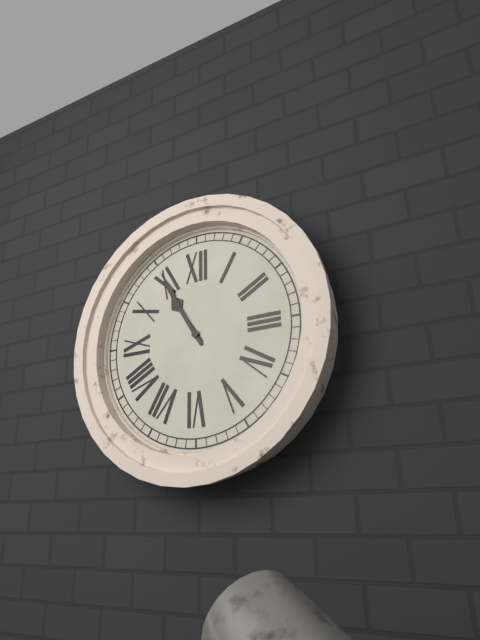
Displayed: 10 h 55 min
